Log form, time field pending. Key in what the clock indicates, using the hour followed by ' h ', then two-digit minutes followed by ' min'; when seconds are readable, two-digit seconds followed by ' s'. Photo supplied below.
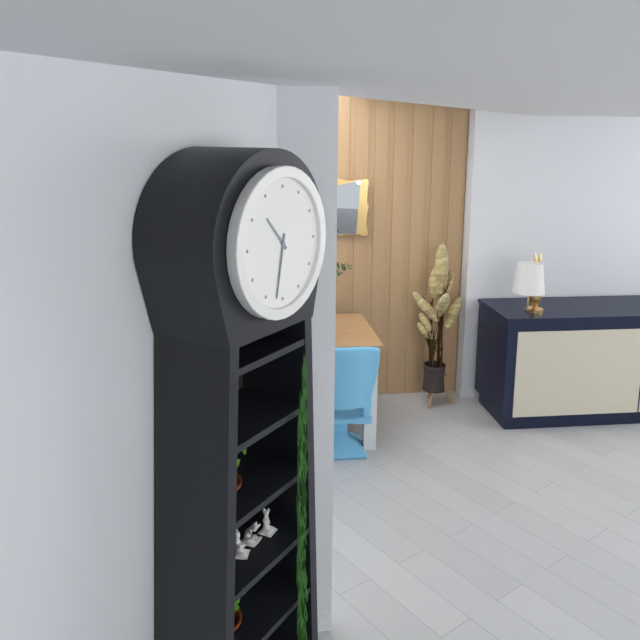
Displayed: 10 h 32 min
